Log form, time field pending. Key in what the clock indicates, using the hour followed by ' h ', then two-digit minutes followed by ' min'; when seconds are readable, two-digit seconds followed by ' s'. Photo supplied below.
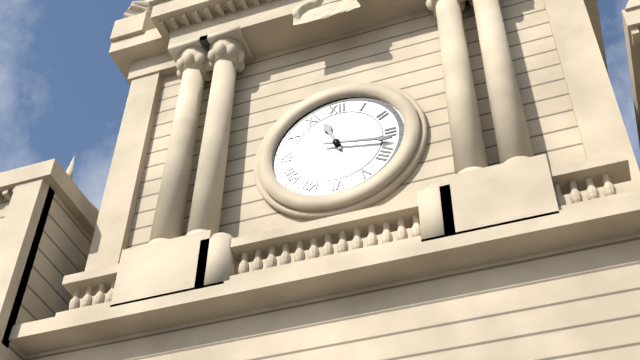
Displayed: 11 h 17 min
